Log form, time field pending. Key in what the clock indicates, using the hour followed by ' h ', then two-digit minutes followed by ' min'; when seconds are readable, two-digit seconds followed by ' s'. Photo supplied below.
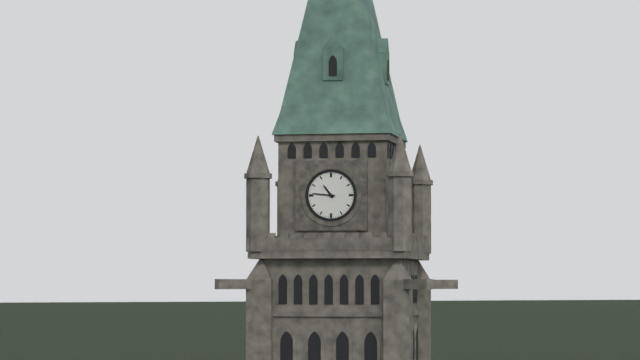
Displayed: 10 h 46 min
